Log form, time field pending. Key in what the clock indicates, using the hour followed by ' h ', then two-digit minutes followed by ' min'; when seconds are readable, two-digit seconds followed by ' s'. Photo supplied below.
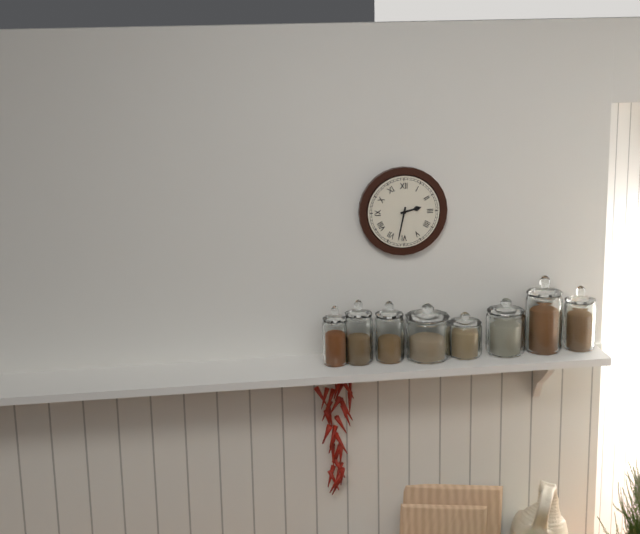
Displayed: 2 h 32 min
